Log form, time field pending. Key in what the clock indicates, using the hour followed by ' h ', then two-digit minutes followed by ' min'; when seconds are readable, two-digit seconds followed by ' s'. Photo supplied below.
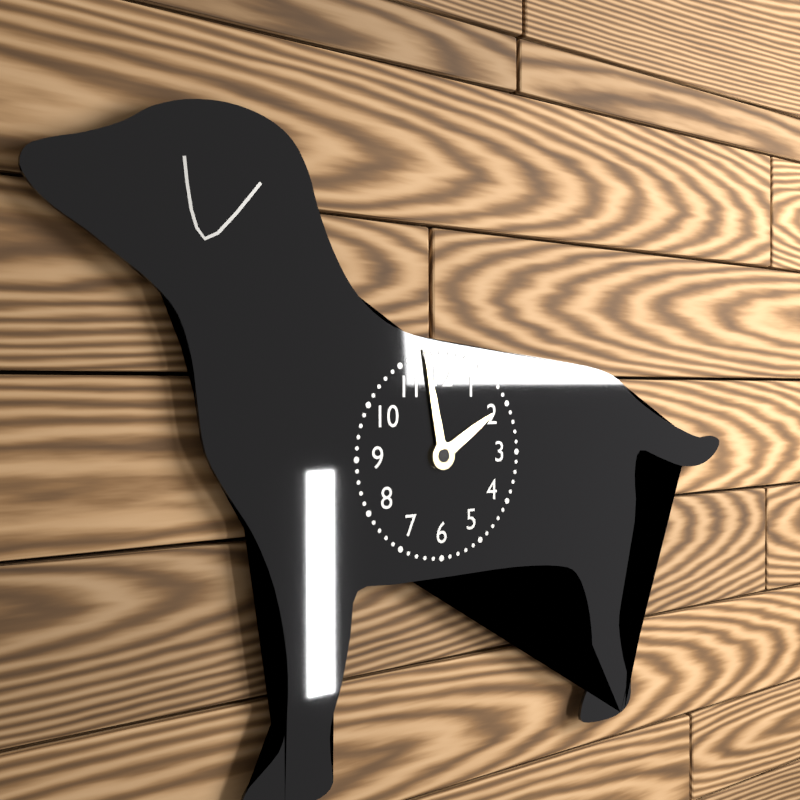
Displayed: 1 h 58 min
